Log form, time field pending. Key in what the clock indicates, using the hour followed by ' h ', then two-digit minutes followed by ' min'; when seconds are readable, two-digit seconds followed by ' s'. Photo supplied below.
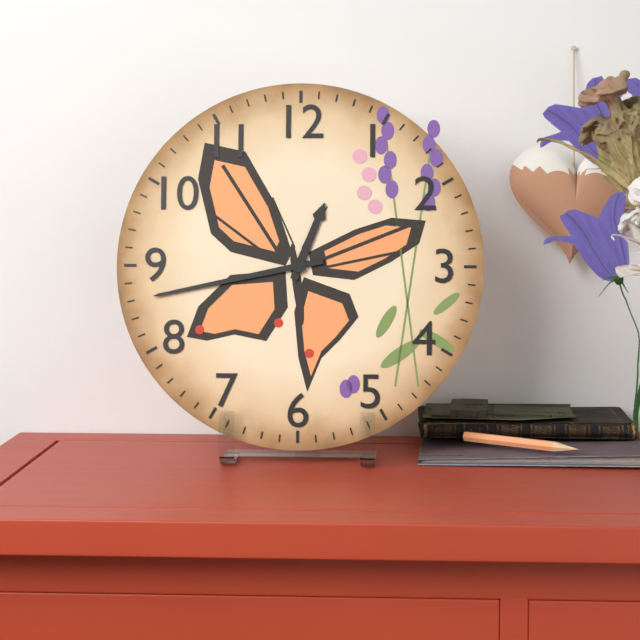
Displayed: 12 h 43 min
